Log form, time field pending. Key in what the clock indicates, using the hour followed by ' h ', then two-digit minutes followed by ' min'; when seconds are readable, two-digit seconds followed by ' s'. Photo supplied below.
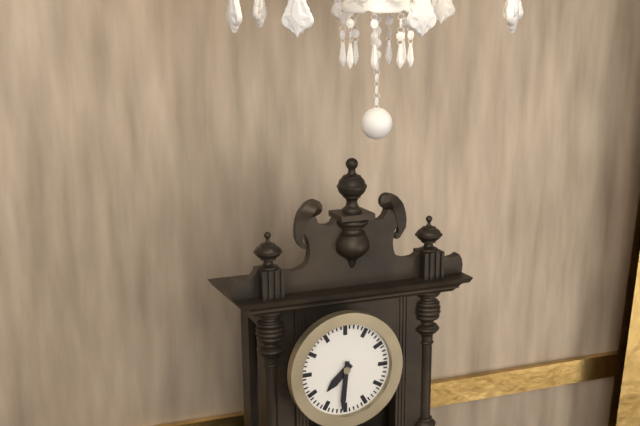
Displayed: 7 h 31 min
